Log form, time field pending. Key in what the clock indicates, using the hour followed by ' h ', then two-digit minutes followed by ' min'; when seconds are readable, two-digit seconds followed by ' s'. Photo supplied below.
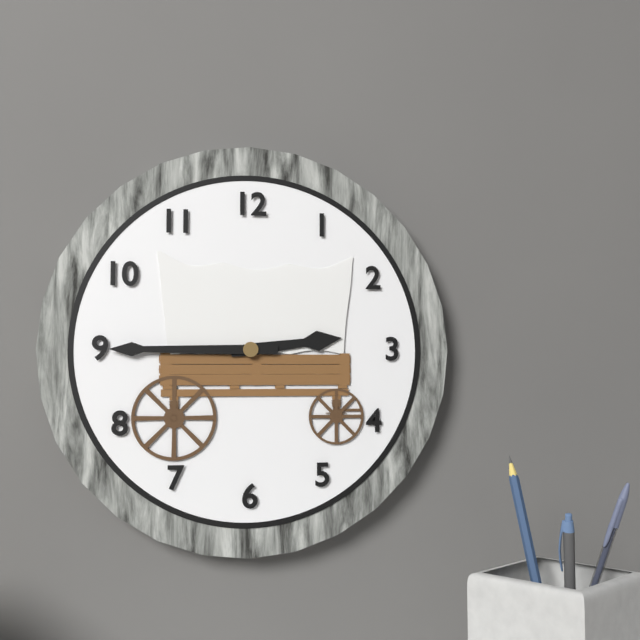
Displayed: 2 h 45 min
